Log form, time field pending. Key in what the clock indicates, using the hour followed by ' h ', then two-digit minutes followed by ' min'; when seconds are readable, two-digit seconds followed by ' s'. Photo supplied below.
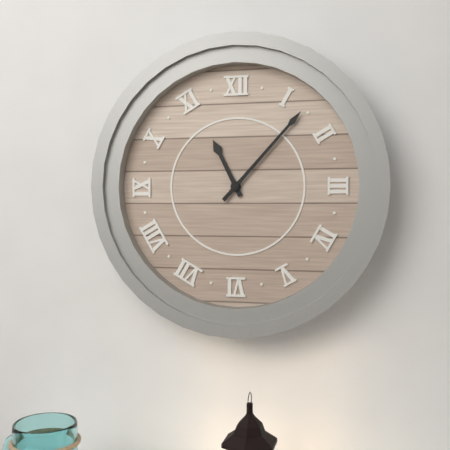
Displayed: 11 h 07 min
